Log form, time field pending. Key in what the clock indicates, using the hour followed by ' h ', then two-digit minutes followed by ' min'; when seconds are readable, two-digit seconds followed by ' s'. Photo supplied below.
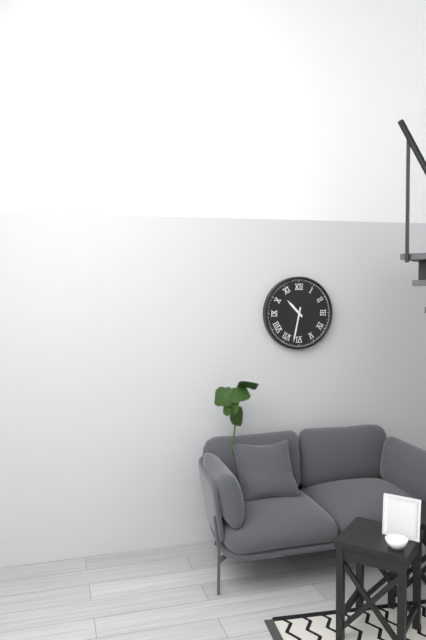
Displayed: 10 h 32 min
